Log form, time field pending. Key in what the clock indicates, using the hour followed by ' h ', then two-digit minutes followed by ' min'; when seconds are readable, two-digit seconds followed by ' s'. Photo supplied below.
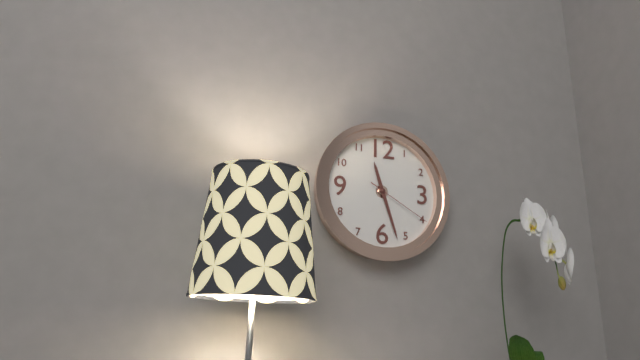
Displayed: 11 h 27 min 20 s
